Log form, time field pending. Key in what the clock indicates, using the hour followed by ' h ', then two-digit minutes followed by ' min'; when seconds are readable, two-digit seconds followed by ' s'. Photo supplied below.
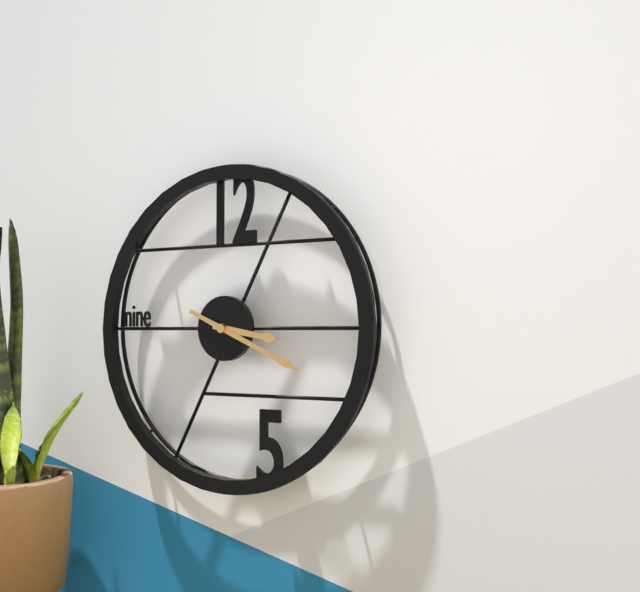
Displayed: 3 h 19 min
